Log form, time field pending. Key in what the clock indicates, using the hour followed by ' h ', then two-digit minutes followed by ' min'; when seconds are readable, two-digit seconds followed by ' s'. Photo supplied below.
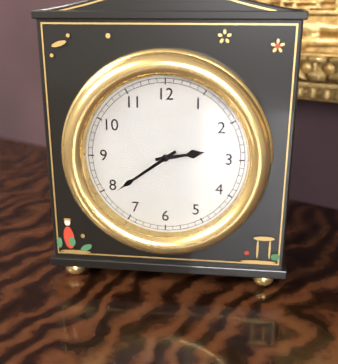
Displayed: 2 h 39 min
